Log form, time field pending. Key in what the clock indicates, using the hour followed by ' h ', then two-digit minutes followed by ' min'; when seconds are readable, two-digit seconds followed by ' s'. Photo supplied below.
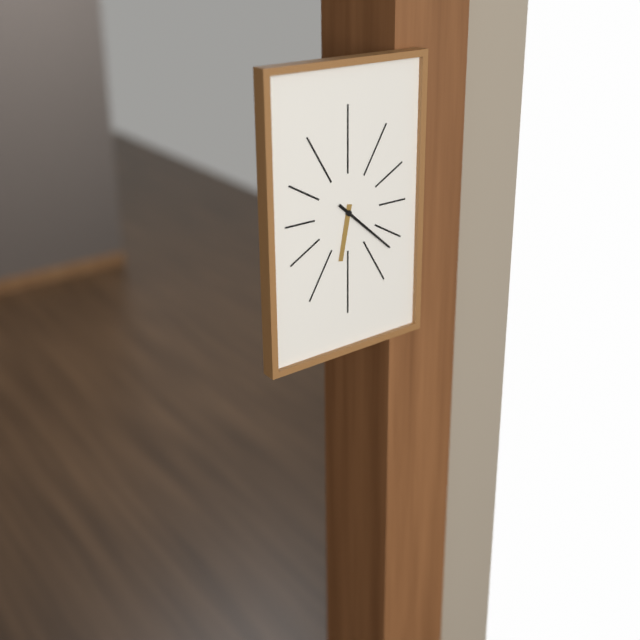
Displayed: 6 h 22 min
